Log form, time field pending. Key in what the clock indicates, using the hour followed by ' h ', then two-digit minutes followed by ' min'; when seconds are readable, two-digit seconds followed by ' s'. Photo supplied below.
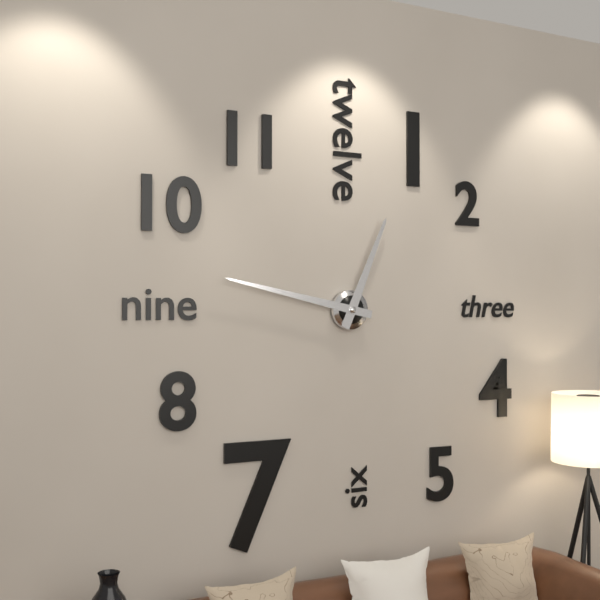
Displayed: 12 h 47 min
